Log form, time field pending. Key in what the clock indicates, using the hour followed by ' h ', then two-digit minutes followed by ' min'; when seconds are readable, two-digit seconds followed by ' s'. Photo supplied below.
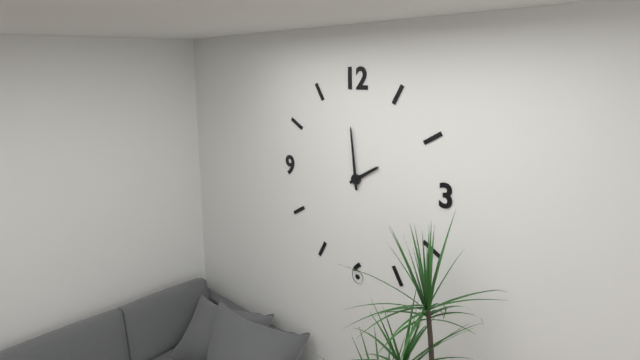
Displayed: 1 h 59 min
